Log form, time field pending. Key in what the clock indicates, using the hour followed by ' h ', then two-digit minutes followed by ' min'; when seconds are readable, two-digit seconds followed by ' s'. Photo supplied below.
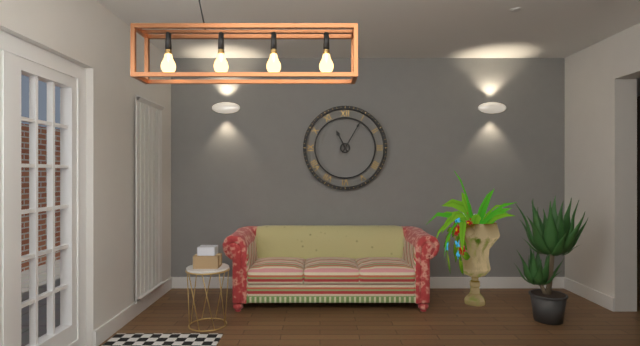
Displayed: 11 h 05 min
